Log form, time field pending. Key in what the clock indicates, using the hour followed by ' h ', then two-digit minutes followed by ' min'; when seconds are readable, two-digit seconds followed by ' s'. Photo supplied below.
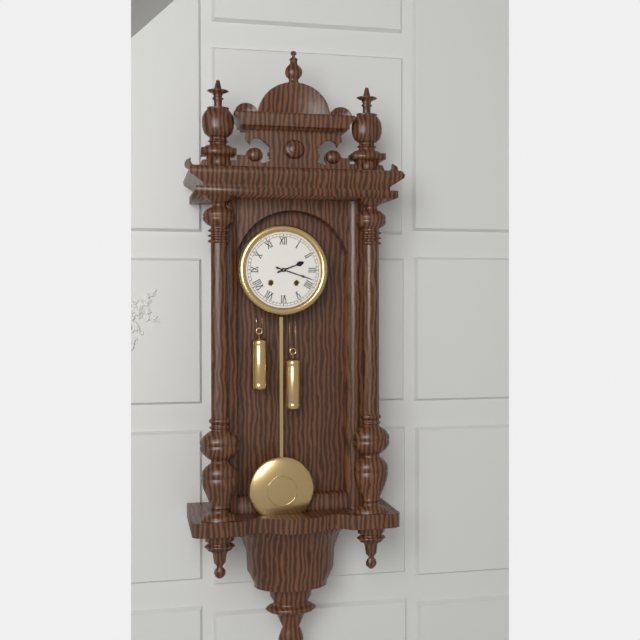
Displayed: 2 h 18 min
